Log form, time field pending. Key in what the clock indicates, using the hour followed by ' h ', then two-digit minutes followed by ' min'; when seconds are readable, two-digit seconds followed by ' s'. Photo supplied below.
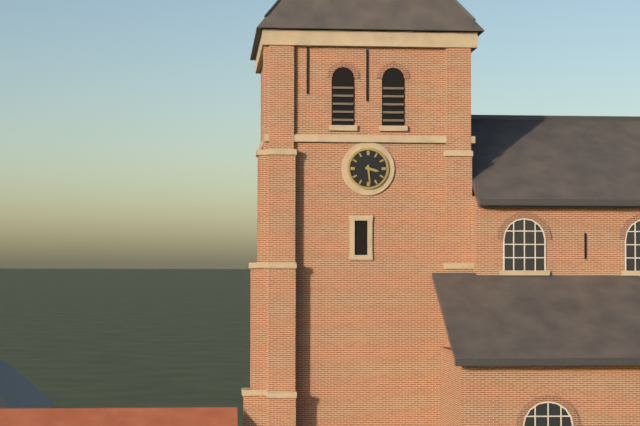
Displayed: 3 h 29 min
